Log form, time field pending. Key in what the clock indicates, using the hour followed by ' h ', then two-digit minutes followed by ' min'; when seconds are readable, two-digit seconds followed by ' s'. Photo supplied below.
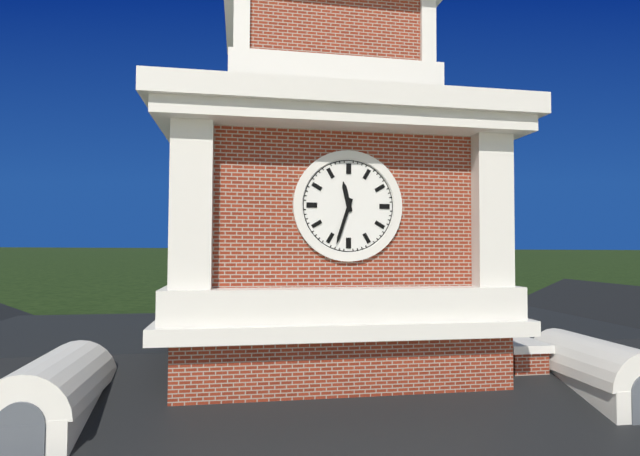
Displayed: 11 h 33 min
